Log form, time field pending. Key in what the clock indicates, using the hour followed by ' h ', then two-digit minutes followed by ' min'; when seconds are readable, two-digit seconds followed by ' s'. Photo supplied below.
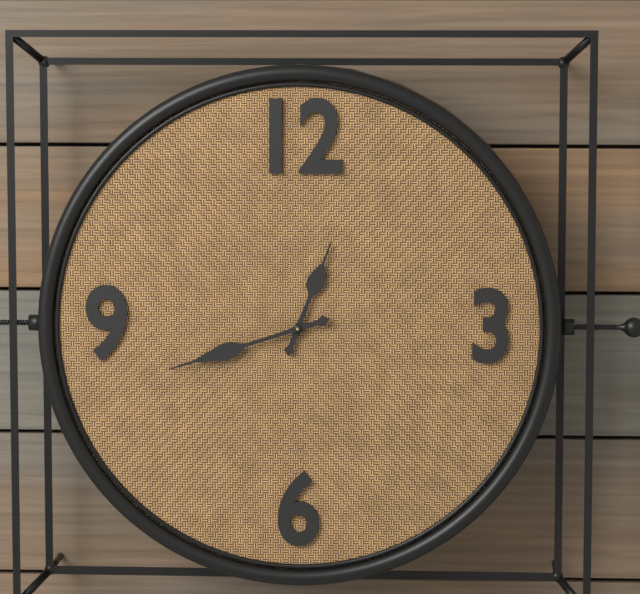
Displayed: 12 h 42 min
